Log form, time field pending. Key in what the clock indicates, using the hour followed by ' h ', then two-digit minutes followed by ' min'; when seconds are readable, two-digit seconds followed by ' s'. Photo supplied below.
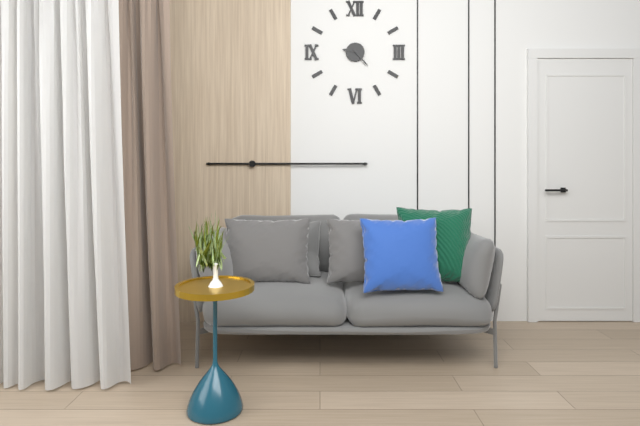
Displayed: 9 h 23 min
